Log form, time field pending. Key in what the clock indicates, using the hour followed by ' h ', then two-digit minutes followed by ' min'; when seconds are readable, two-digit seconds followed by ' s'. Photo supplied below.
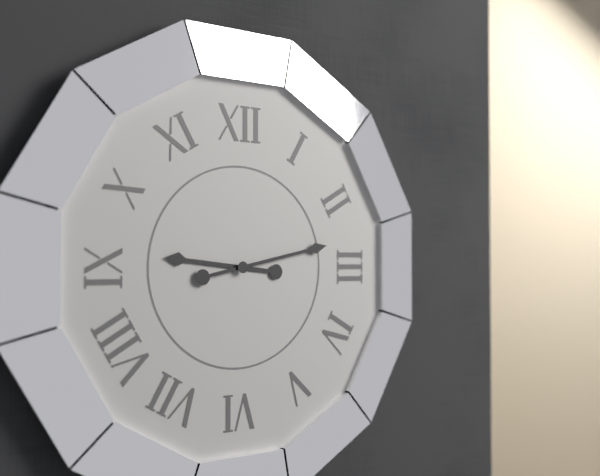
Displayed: 9 h 13 min
